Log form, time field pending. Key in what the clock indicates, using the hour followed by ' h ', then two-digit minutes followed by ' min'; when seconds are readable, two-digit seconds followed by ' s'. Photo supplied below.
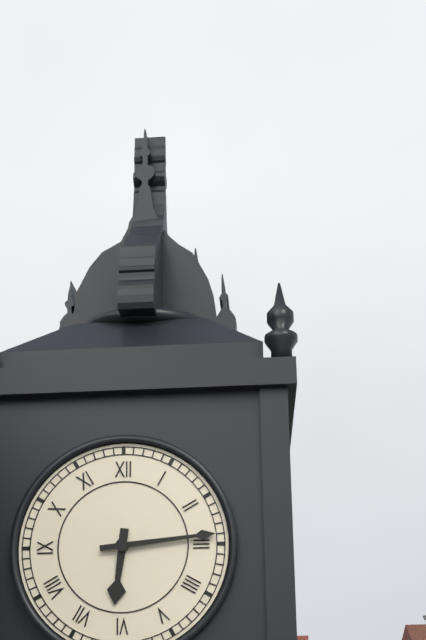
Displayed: 6 h 14 min
